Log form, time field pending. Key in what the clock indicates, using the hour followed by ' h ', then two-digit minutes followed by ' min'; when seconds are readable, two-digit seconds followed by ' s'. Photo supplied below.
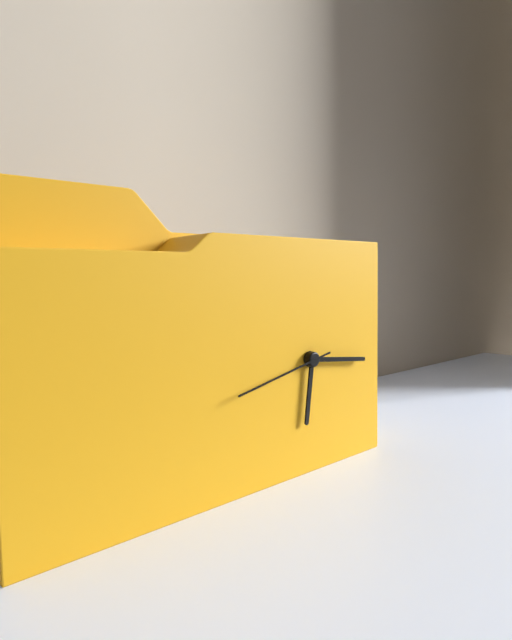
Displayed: 6 h 16 min 43 s
